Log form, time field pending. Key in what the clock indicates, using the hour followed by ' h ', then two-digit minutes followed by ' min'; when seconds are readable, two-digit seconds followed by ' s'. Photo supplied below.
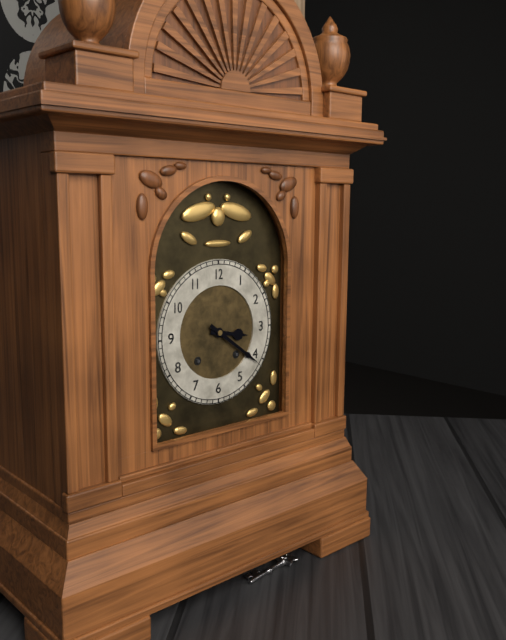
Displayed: 3 h 21 min
